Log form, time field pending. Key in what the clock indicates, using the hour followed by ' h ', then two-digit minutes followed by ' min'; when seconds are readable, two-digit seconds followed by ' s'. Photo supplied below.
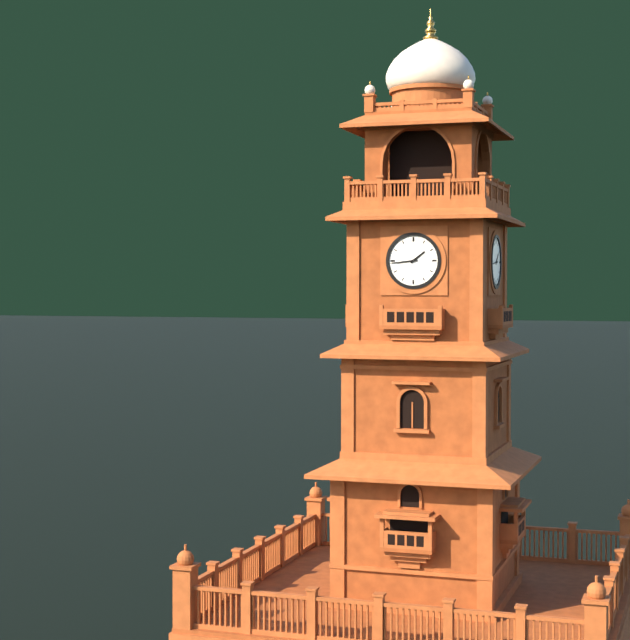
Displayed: 1 h 44 min
